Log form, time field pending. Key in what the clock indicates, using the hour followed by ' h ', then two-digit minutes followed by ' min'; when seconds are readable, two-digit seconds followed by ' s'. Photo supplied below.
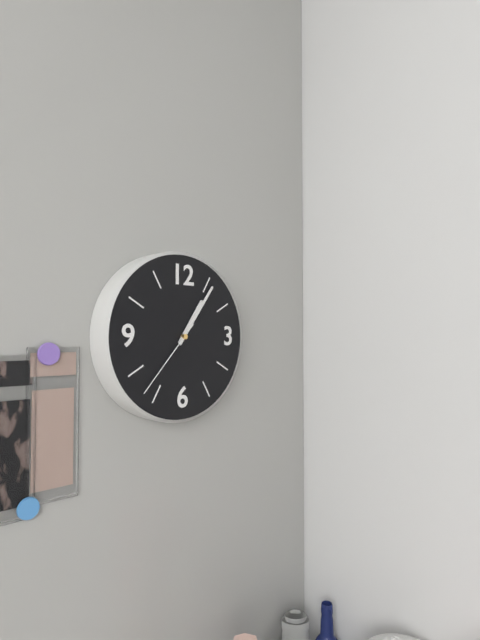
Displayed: 1 h 06 min 37 s
